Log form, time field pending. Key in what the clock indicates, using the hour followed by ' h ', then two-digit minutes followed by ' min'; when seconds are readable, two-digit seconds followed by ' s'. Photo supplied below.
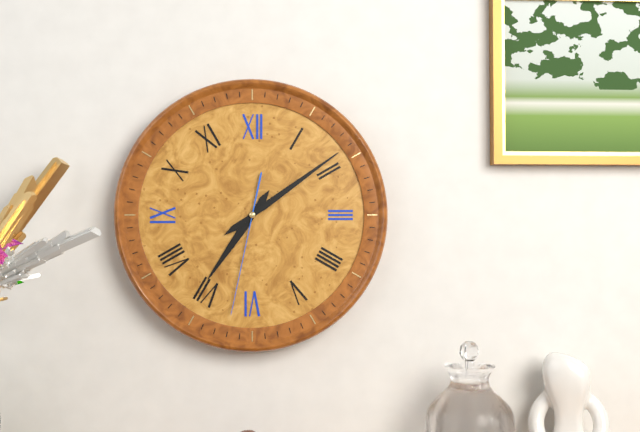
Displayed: 7 h 09 min 32 s
